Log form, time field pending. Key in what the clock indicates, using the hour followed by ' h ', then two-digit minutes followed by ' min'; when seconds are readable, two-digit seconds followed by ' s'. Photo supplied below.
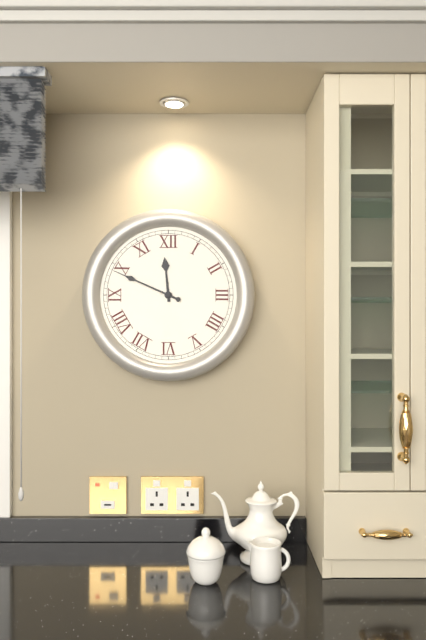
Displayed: 11 h 49 min
